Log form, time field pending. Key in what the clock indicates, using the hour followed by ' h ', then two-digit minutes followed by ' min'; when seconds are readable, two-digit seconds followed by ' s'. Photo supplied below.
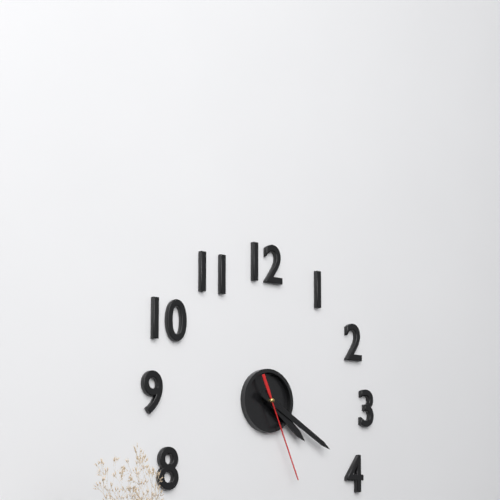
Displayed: 4 h 20 min 26 s
